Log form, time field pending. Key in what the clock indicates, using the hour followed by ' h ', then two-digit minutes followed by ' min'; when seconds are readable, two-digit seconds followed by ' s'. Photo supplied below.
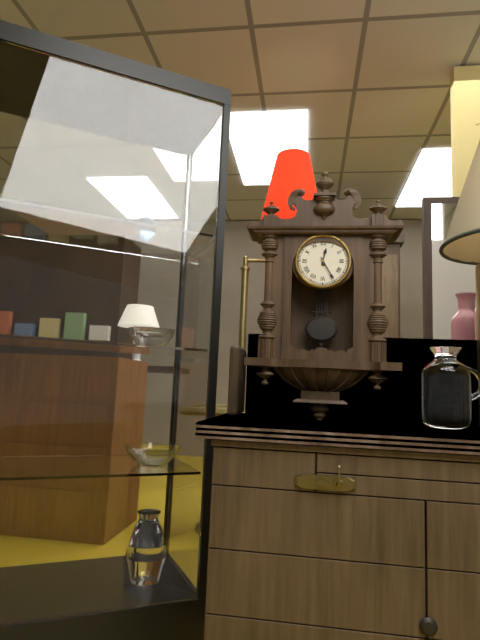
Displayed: 12 h 25 min
